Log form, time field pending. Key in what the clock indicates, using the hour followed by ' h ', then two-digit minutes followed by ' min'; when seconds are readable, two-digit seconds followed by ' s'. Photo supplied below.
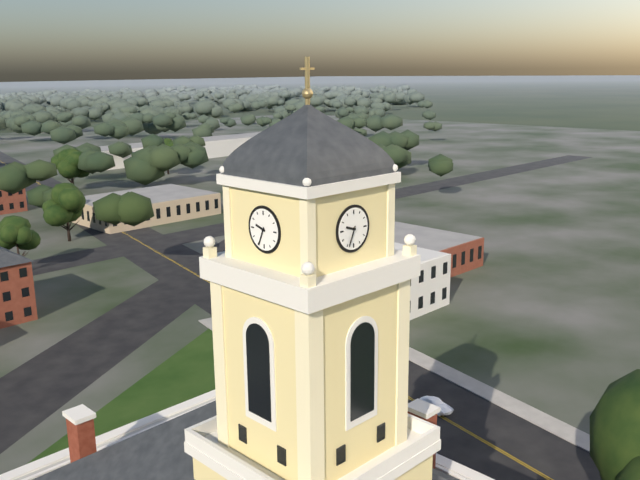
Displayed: 9 h 34 min
